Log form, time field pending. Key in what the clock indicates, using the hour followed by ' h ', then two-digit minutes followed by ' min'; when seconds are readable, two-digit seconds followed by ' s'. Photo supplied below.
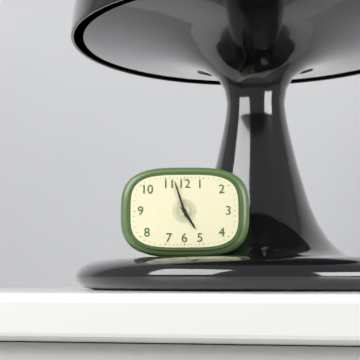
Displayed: 4 h 57 min
